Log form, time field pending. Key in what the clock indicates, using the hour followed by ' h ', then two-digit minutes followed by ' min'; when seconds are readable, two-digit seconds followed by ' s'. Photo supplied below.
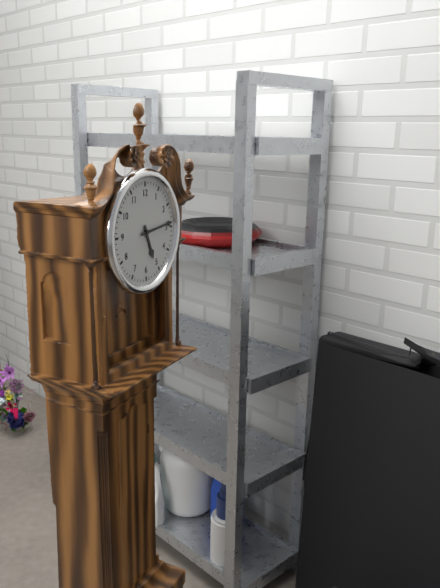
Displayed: 5 h 14 min
